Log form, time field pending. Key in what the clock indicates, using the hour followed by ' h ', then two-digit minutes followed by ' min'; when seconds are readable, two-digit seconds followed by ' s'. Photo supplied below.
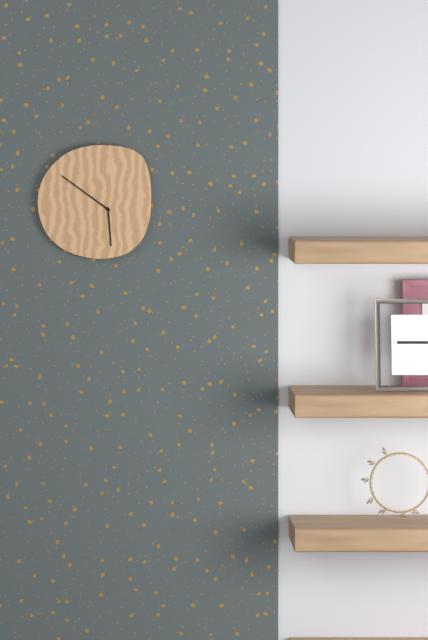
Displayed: 5 h 51 min
